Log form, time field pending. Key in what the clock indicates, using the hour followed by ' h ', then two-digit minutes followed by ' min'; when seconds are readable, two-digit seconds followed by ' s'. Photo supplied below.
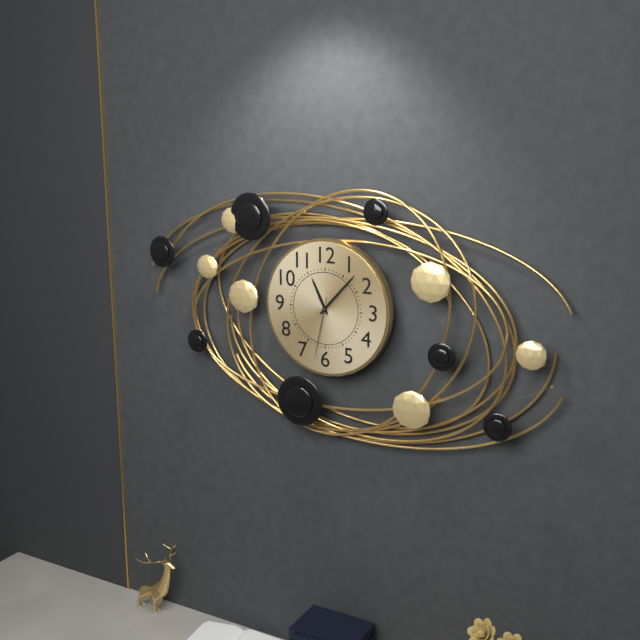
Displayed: 11 h 07 min 32 s
